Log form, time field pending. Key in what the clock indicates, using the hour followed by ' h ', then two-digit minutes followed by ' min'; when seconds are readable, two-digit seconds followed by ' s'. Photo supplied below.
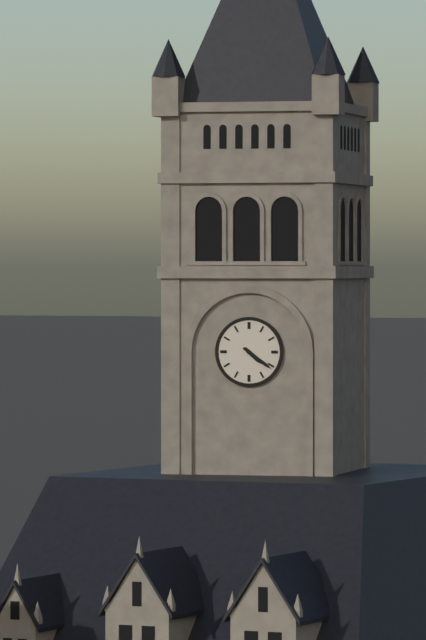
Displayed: 4 h 21 min
